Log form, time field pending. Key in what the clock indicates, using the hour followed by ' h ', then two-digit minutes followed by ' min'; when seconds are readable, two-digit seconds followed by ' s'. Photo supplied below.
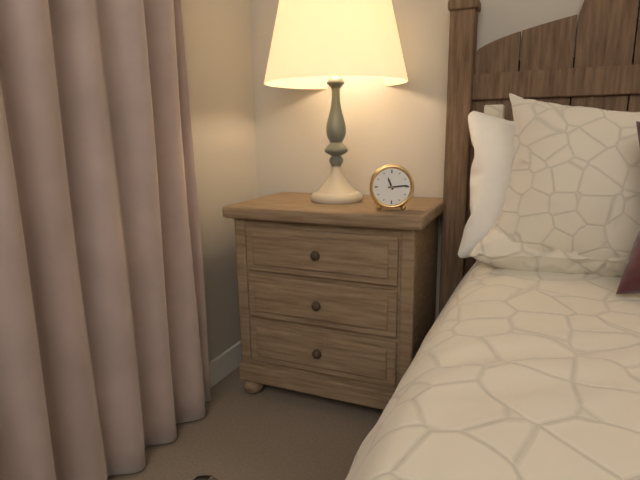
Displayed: 11 h 14 min
